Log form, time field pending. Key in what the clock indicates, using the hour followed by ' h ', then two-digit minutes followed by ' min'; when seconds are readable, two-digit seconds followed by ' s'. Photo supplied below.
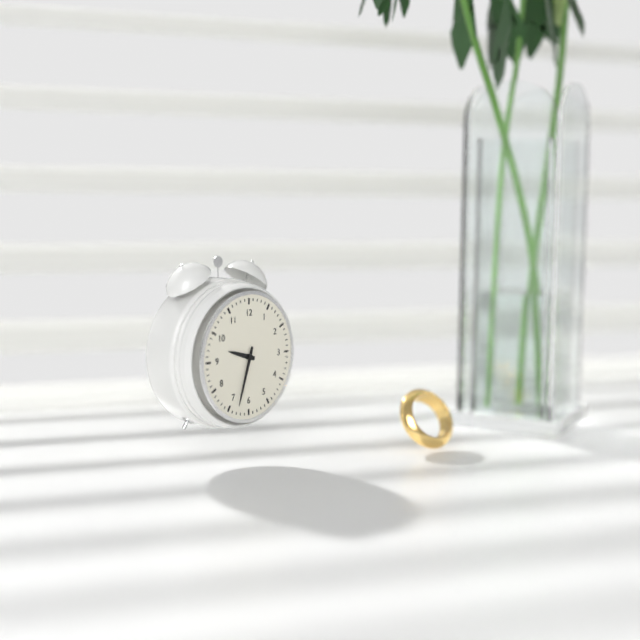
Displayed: 9 h 33 min
